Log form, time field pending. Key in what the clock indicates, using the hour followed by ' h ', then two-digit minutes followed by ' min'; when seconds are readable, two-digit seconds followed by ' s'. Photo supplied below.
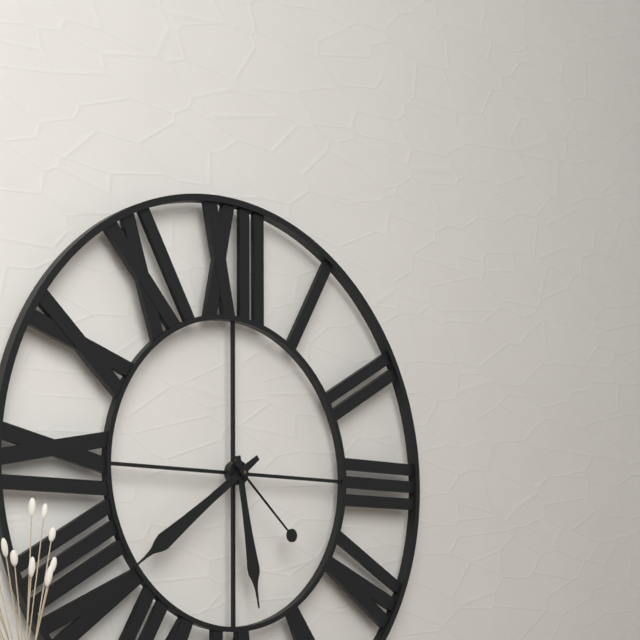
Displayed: 5 h 39 min 22 s
